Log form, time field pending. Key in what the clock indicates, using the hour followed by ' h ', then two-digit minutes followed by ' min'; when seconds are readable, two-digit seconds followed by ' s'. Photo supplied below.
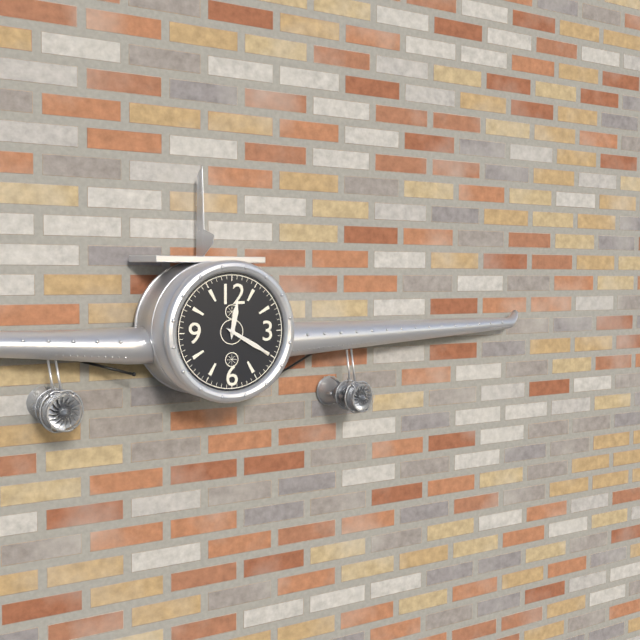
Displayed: 12 h 20 min
